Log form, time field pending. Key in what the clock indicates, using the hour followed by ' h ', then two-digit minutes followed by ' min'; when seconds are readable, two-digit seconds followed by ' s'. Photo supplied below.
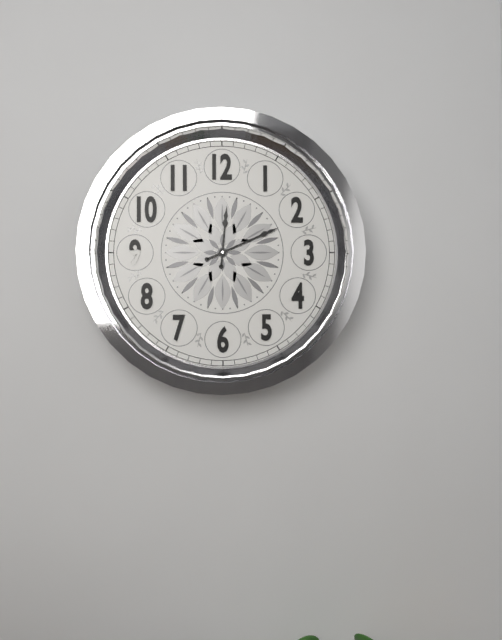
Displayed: 12 h 11 min
